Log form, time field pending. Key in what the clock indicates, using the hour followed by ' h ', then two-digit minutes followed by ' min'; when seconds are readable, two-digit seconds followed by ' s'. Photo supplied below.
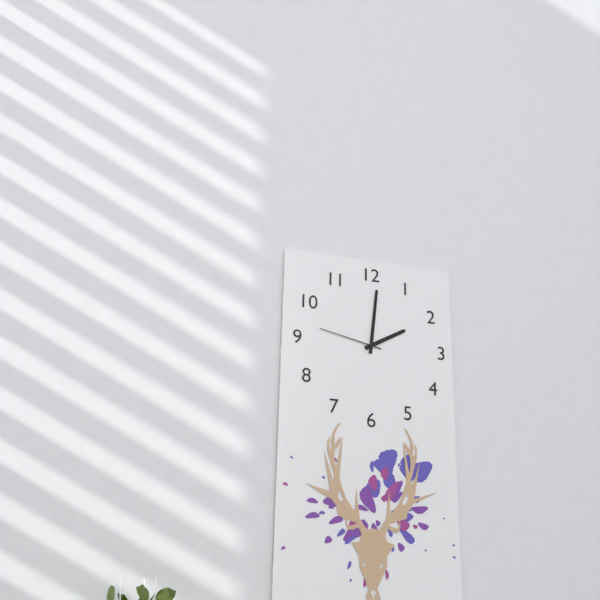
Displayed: 2 h 01 min 47 s
